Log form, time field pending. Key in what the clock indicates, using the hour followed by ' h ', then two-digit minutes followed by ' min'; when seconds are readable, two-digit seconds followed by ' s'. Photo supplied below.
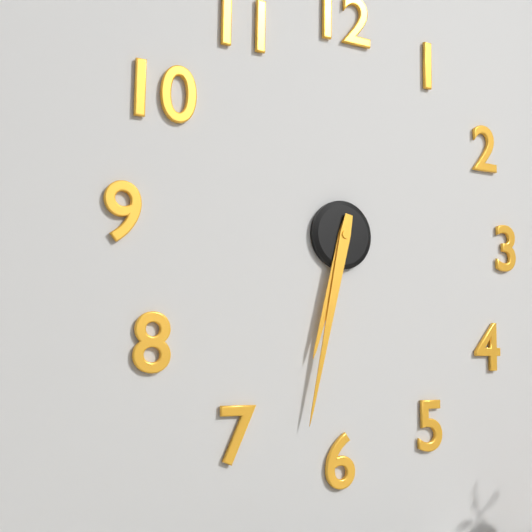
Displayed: 6 h 32 min
